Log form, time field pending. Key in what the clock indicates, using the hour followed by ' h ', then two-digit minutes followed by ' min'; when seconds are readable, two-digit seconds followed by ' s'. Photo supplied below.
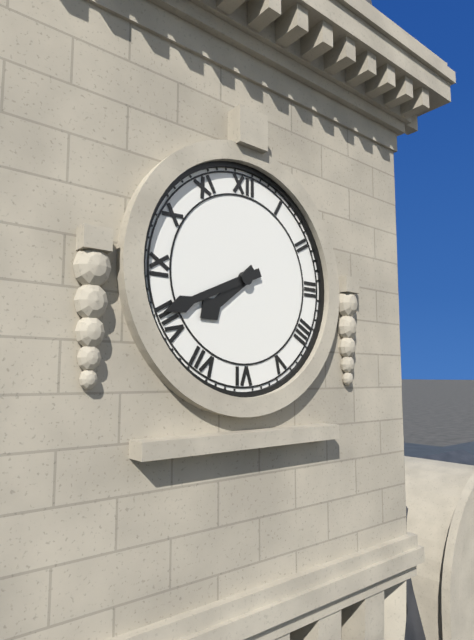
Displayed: 7 h 41 min
